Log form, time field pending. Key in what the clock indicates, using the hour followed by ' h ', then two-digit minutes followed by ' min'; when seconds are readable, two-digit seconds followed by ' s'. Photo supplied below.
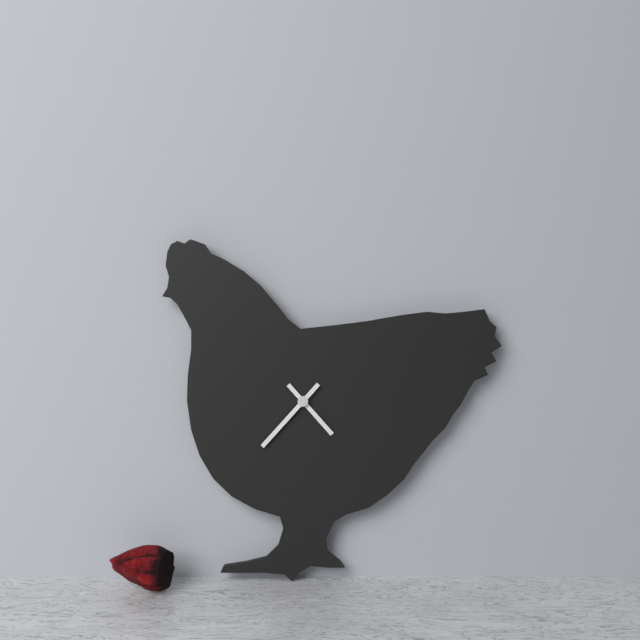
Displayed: 4 h 37 min
